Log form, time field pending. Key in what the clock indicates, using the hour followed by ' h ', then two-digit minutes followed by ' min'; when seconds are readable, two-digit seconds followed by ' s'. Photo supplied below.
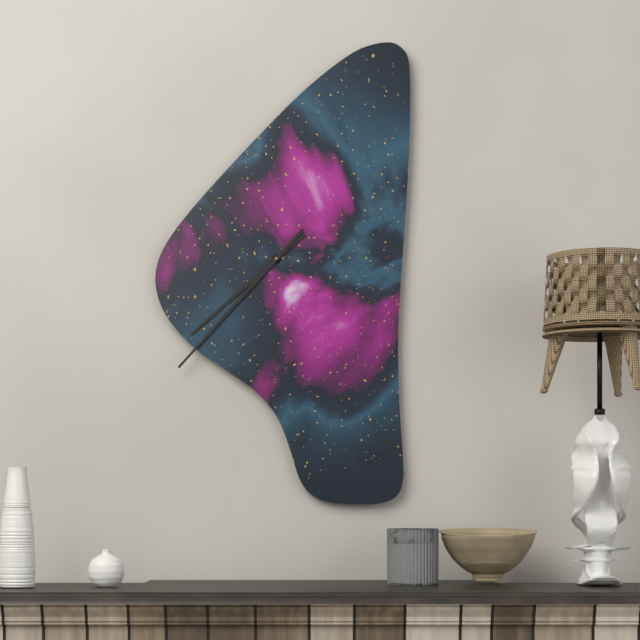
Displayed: 7 h 37 min
